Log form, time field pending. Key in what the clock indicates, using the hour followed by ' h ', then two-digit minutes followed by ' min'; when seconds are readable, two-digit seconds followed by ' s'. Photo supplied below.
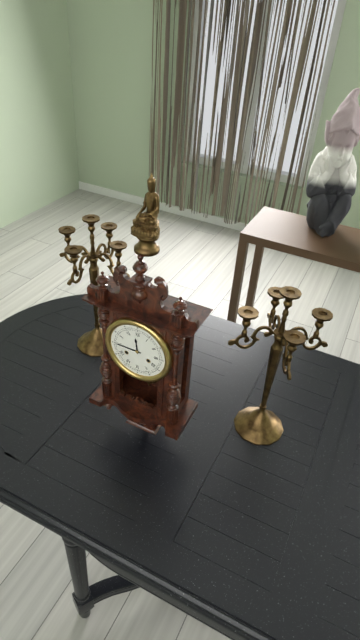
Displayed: 11 h 45 min
